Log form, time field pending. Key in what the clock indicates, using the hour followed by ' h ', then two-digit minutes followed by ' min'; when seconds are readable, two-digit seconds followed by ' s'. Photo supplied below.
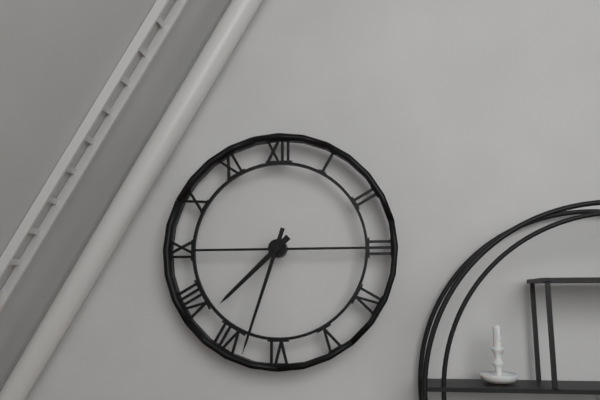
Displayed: 7 h 33 min
